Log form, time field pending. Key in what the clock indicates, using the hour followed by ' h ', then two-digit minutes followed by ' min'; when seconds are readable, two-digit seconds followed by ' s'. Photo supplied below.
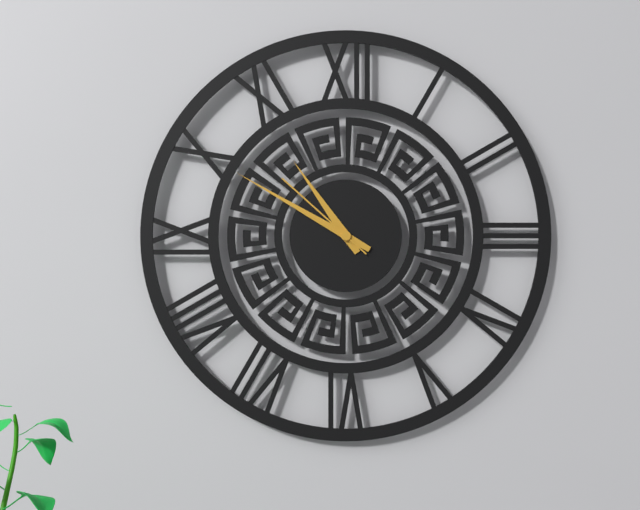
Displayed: 10 h 50 min 52 s
